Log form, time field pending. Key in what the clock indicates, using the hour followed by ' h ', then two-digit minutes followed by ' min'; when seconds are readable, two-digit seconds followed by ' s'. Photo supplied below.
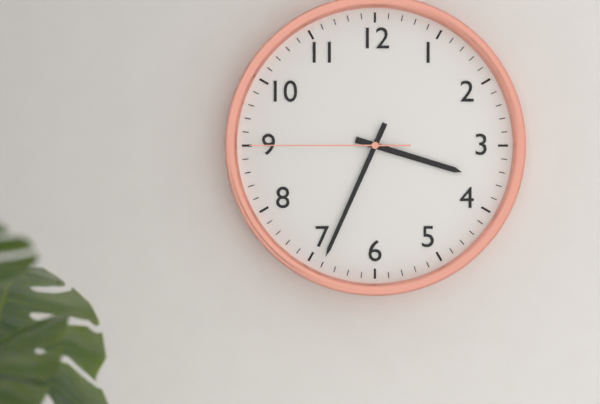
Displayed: 3 h 34 min 45 s
